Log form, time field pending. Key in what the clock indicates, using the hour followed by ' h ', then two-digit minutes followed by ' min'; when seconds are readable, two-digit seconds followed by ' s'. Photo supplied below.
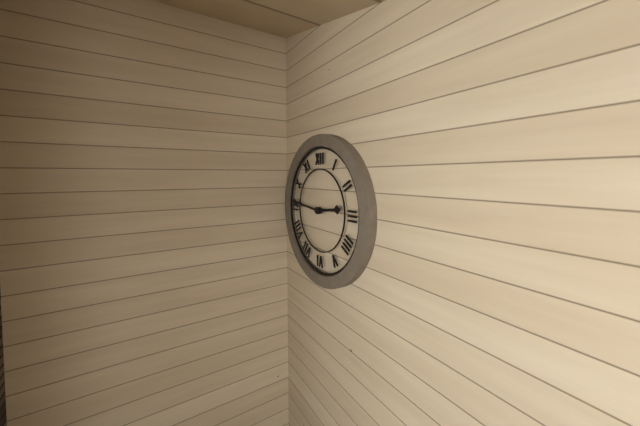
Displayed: 2 h 46 min
